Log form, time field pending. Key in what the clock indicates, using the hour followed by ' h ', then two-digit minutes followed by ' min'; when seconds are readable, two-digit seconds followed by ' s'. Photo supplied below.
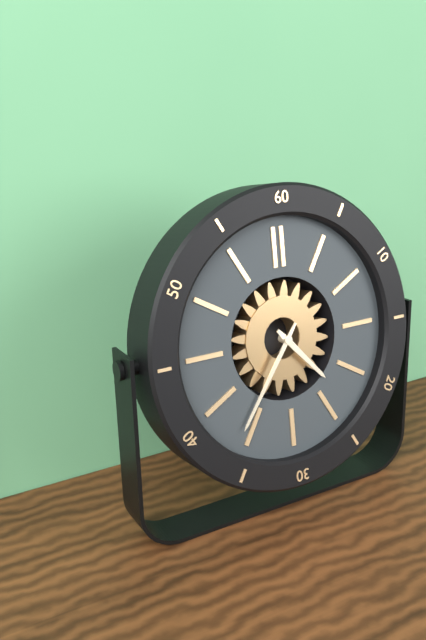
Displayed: 4 h 36 min
